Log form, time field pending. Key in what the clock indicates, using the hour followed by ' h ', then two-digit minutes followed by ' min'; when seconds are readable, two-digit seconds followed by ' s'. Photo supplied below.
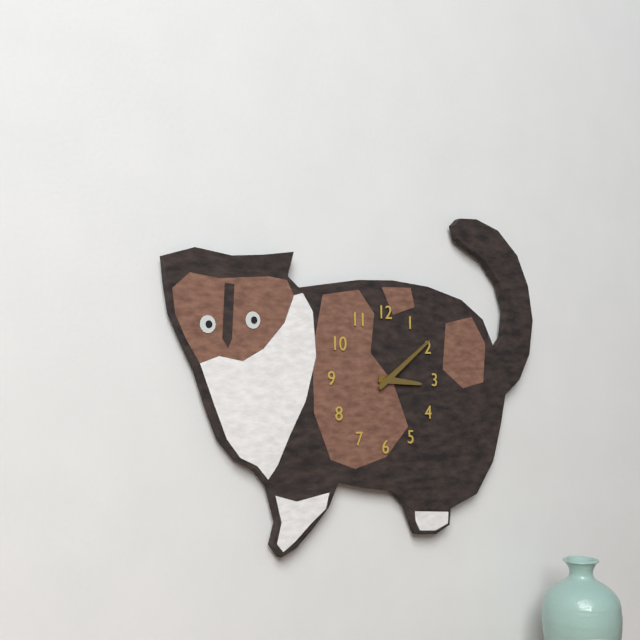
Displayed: 3 h 09 min
